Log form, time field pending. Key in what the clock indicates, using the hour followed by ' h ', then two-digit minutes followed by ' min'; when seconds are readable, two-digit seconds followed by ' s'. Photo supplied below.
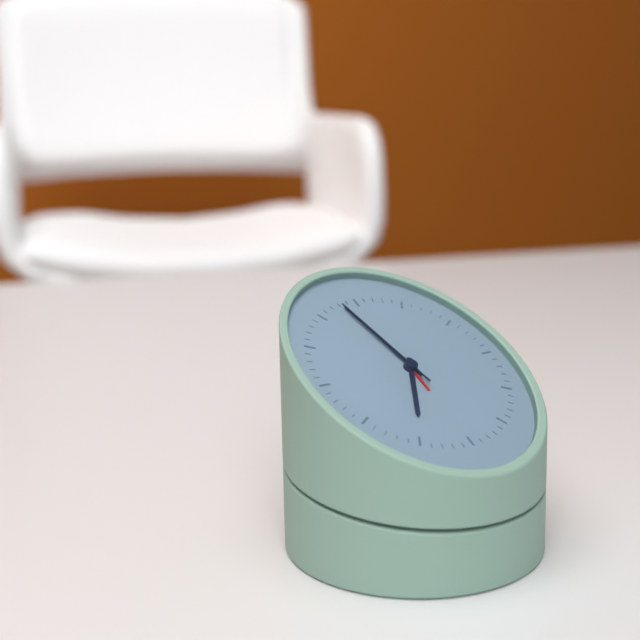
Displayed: 6 h 58 min 58 s
